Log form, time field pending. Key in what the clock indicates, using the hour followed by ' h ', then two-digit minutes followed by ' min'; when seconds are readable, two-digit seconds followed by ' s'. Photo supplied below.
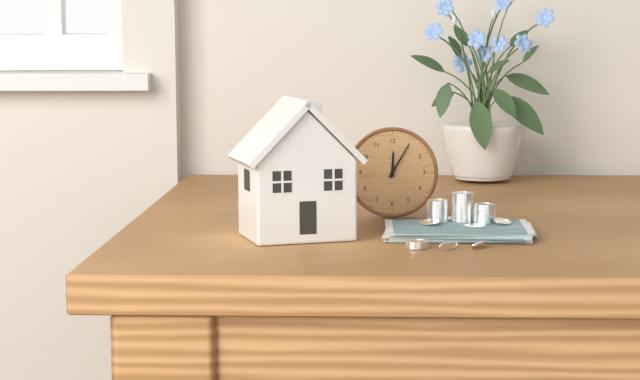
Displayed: 12 h 05 min
